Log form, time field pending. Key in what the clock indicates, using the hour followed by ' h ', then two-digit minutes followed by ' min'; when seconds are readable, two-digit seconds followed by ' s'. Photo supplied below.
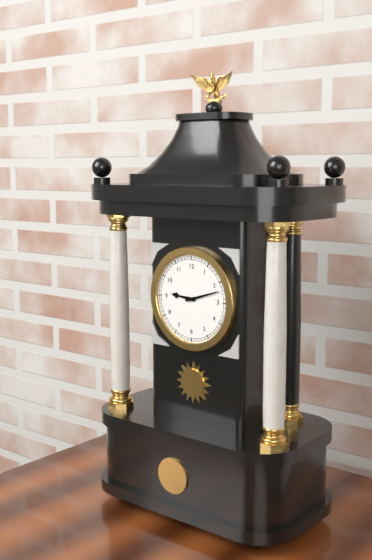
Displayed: 9 h 12 min
